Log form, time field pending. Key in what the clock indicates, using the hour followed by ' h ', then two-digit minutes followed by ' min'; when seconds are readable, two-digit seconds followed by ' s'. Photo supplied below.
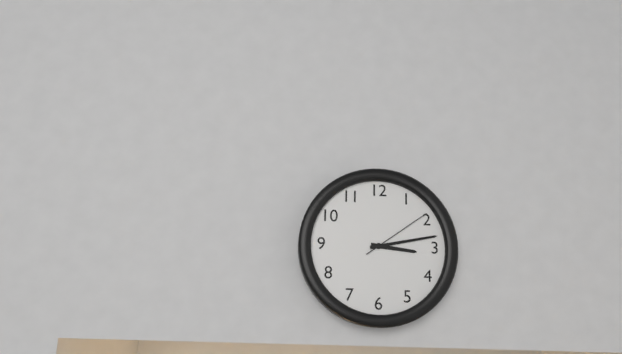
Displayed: 3 h 13 min 09 s
